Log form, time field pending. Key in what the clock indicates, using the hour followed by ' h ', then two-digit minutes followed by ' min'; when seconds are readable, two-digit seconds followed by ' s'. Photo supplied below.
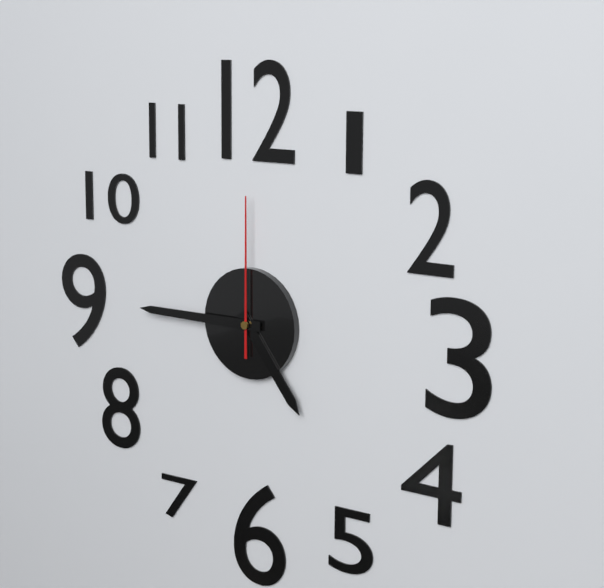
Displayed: 4 h 45 min 00 s
